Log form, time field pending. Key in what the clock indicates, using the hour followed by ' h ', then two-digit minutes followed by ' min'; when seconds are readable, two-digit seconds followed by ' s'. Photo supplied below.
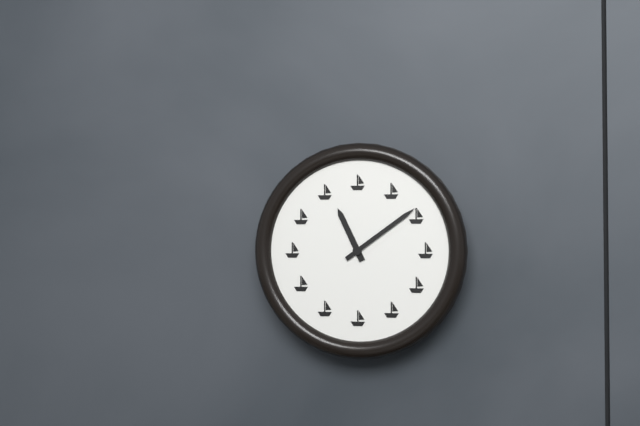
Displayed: 11 h 09 min
